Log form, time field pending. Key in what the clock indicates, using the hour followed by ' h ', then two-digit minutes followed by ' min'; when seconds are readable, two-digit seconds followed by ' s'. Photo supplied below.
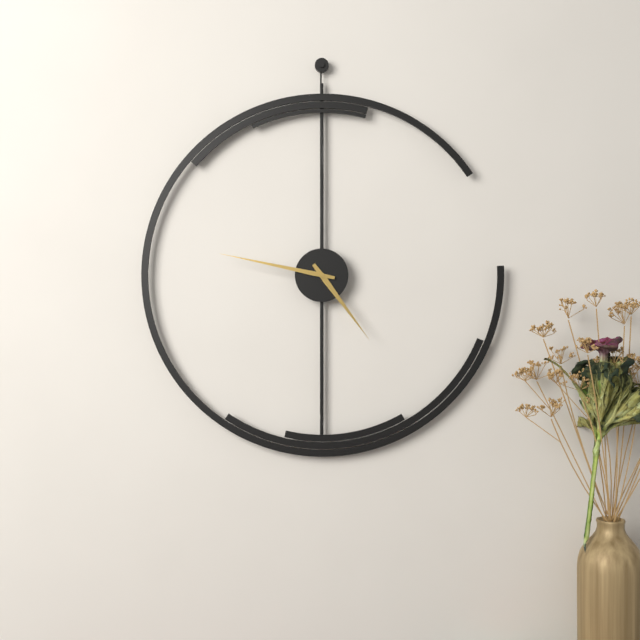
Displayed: 4 h 47 min
